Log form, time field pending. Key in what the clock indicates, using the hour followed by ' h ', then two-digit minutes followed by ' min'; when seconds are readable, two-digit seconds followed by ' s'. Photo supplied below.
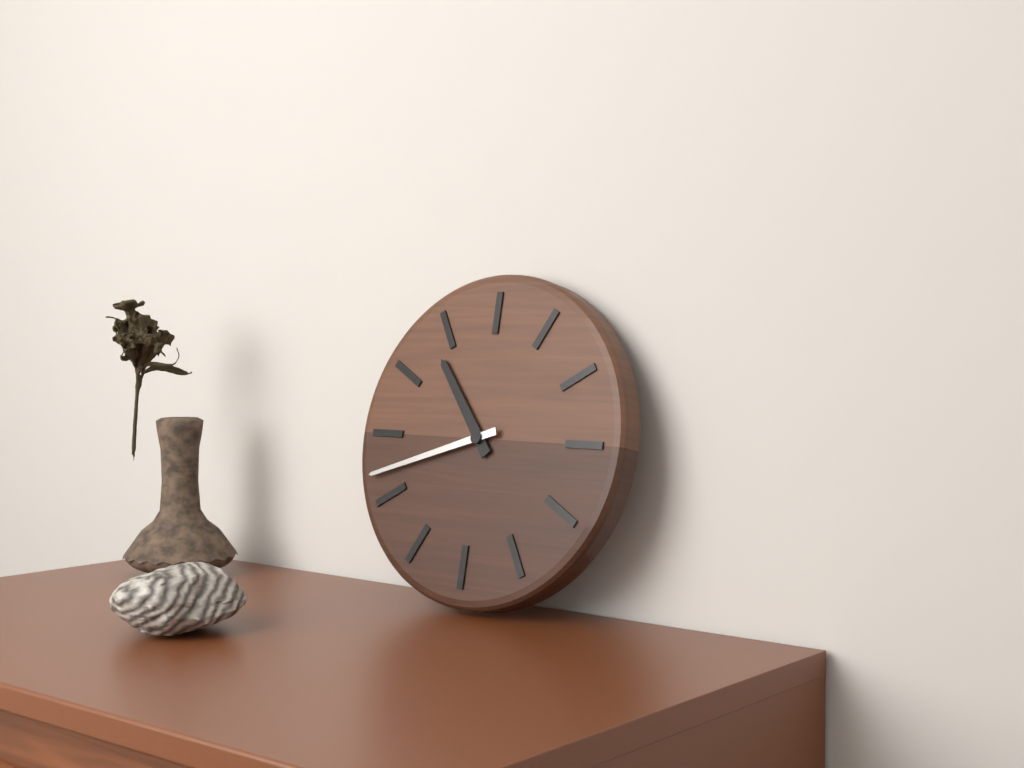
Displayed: 10 h 42 min
